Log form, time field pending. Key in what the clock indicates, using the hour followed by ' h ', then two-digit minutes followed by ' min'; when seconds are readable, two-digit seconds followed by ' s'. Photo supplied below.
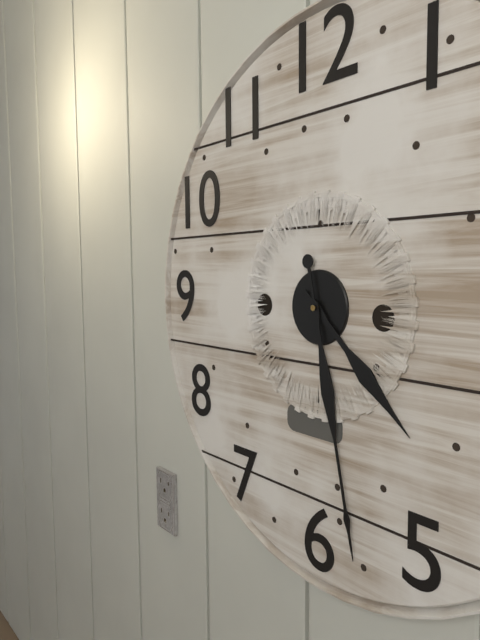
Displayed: 4 h 28 min
